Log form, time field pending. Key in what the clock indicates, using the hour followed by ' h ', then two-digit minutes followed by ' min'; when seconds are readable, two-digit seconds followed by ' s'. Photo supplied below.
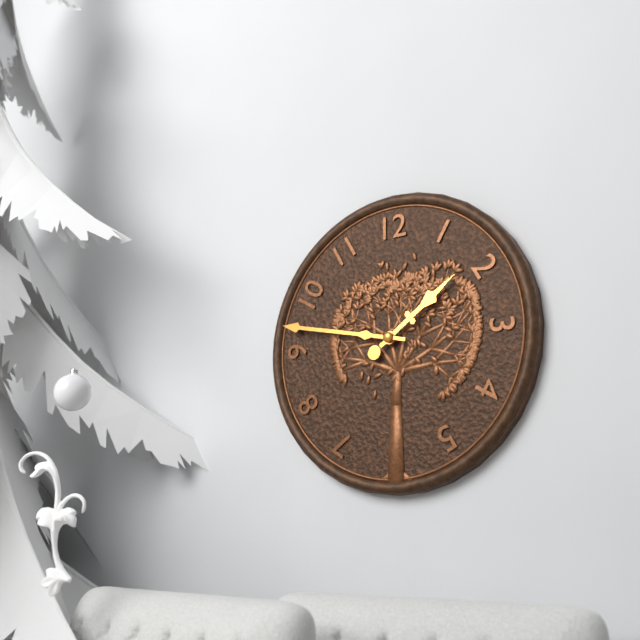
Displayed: 1 h 47 min
